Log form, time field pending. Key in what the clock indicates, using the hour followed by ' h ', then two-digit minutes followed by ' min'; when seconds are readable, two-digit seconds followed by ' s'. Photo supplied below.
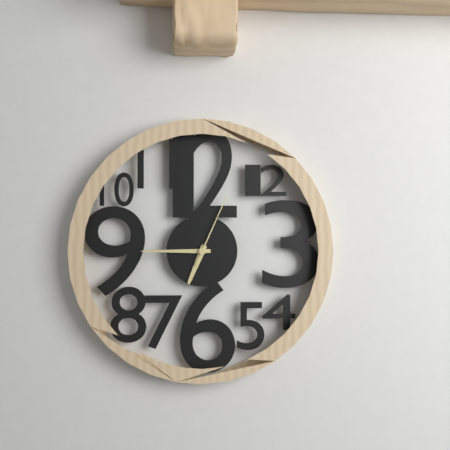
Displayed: 6 h 45 min 04 s
